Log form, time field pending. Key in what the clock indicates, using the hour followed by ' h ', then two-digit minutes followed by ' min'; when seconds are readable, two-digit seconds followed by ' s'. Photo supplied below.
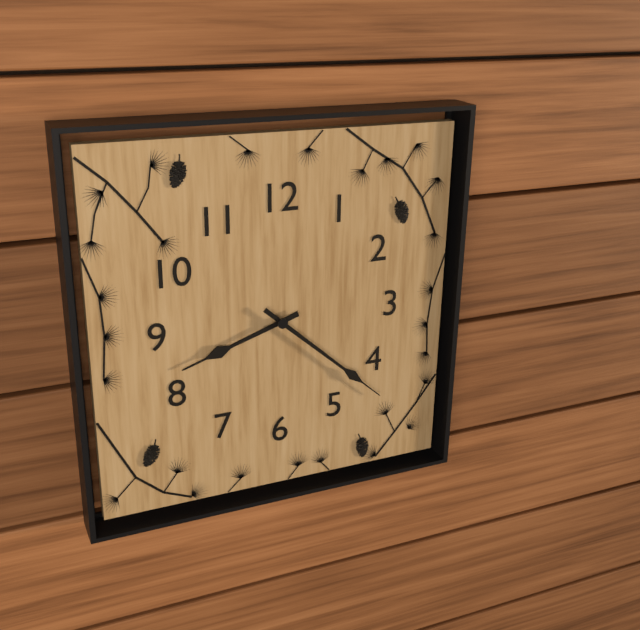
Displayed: 8 h 22 min
